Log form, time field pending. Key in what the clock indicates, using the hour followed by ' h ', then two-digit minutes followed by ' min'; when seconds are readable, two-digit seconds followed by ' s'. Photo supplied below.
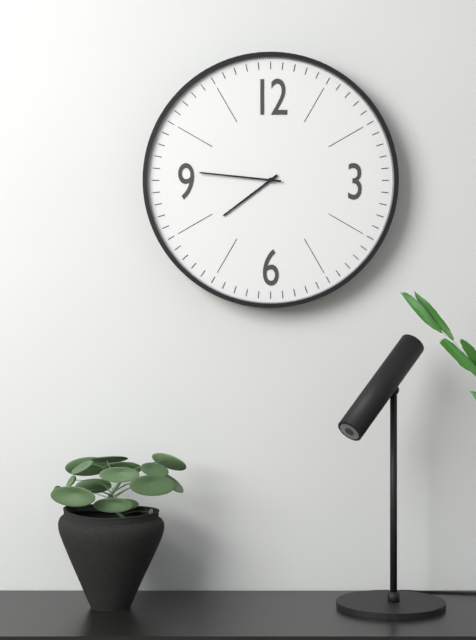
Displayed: 7 h 46 min
